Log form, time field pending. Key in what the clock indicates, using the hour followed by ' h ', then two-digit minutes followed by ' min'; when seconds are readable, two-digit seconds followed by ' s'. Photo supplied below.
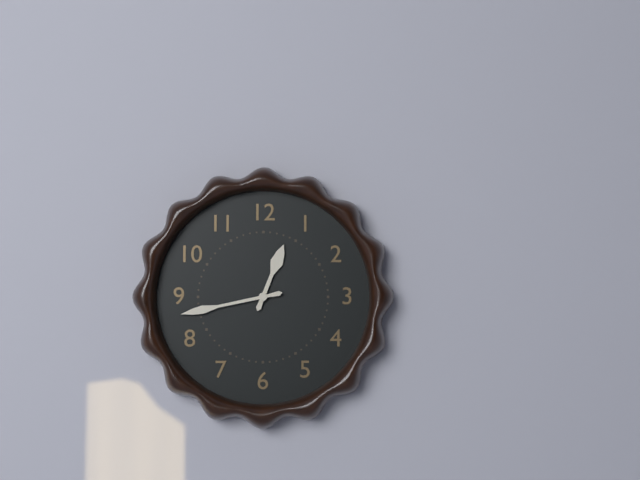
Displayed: 12 h 43 min
